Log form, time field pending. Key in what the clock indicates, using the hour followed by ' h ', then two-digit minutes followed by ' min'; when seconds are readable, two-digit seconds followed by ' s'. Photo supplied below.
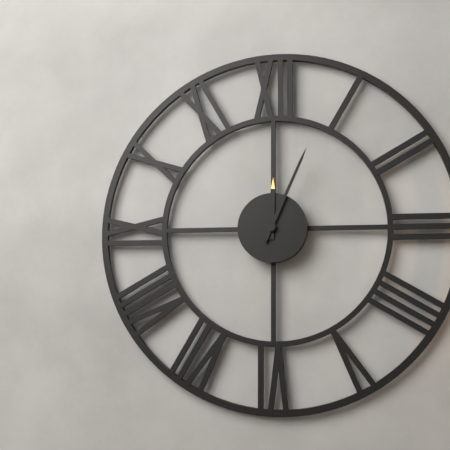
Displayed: 12 h 04 min
